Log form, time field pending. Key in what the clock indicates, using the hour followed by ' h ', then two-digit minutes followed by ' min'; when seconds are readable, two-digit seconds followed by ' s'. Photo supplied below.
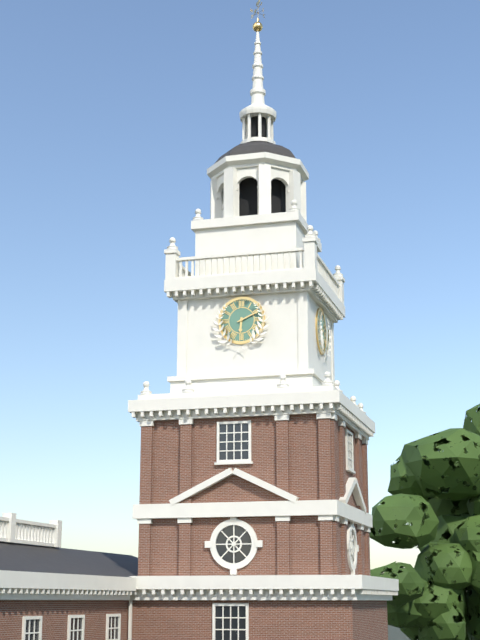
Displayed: 6 h 11 min
